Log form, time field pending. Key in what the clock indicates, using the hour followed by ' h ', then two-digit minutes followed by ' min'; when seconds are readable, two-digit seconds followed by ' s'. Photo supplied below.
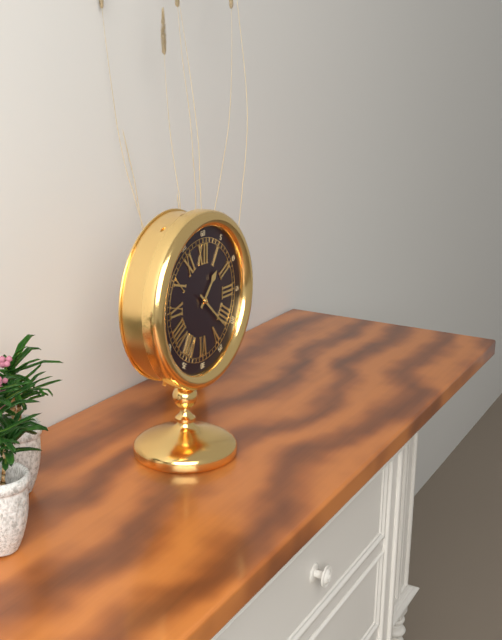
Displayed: 1 h 22 min
